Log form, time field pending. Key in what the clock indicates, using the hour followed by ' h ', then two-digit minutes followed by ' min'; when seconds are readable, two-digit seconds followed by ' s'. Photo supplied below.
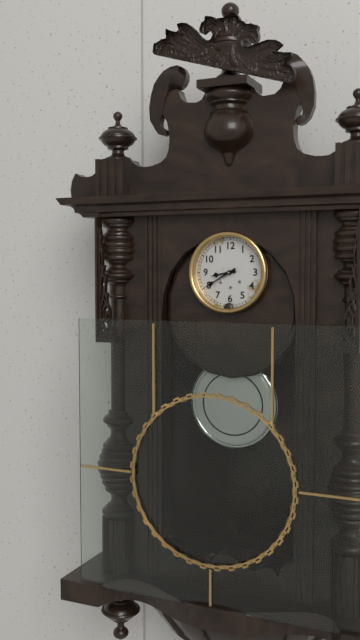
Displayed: 8 h 40 min
